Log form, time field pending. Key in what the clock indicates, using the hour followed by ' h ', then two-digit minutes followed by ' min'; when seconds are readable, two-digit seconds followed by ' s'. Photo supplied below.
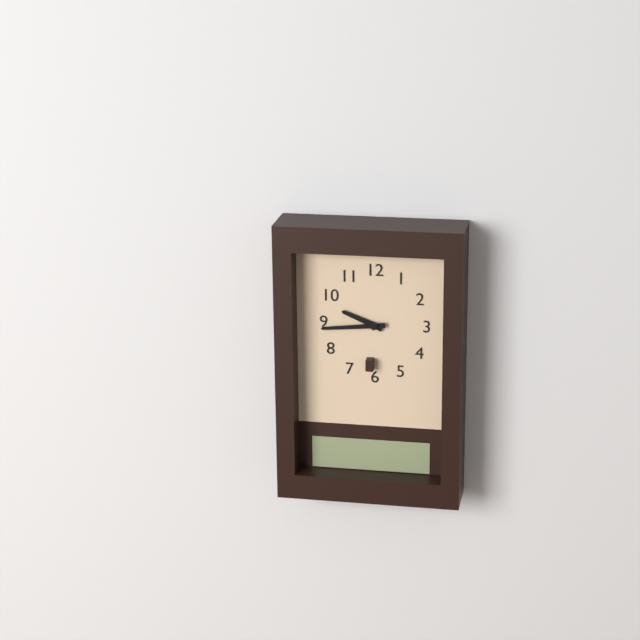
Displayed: 9 h 44 min
